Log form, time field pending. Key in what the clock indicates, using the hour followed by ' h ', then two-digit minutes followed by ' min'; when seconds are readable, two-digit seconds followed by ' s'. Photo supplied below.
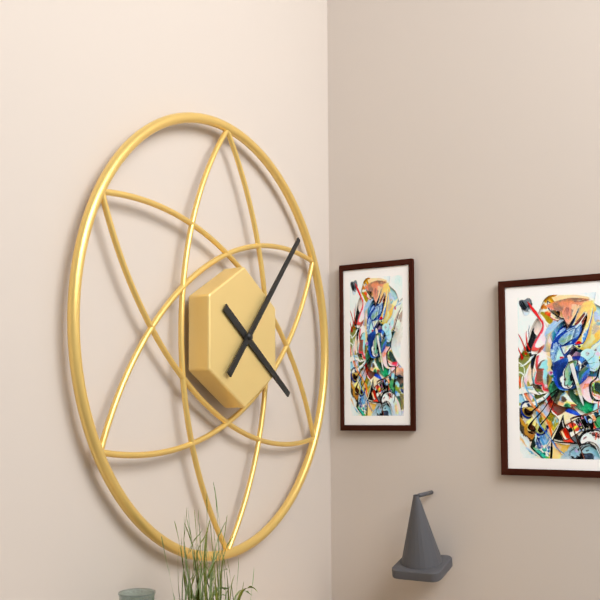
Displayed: 4 h 07 min
